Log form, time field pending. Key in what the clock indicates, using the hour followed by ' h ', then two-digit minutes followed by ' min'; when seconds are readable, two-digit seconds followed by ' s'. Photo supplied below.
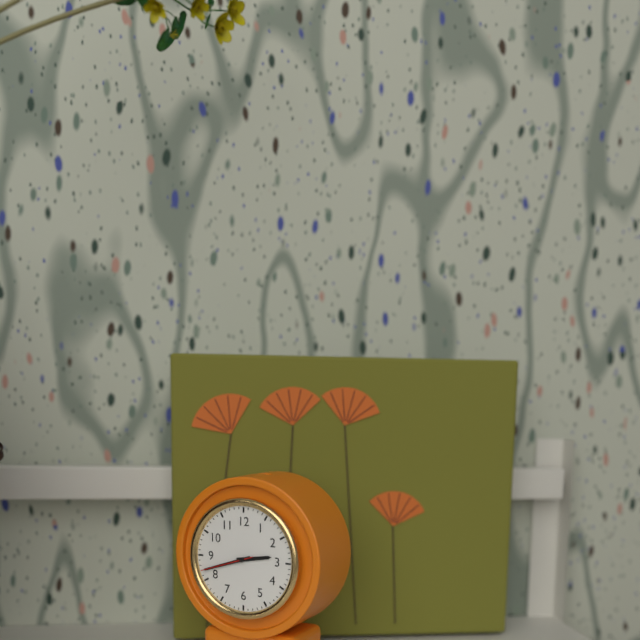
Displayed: 2 h 42 min 42 s
